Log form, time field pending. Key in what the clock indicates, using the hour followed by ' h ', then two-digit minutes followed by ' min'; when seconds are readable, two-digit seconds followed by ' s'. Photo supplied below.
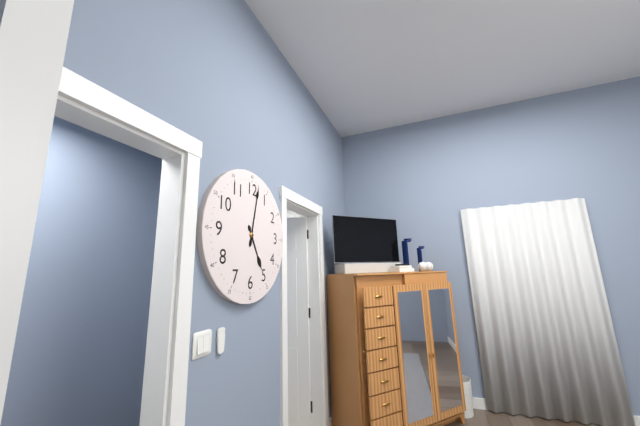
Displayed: 5 h 02 min
